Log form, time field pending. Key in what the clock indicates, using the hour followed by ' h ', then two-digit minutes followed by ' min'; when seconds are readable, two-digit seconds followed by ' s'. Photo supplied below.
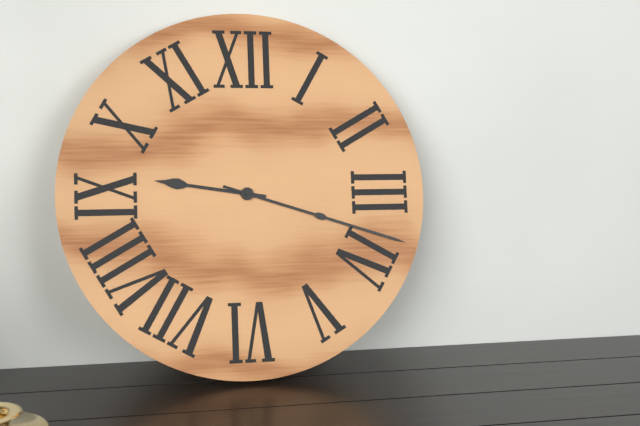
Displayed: 9 h 18 min
